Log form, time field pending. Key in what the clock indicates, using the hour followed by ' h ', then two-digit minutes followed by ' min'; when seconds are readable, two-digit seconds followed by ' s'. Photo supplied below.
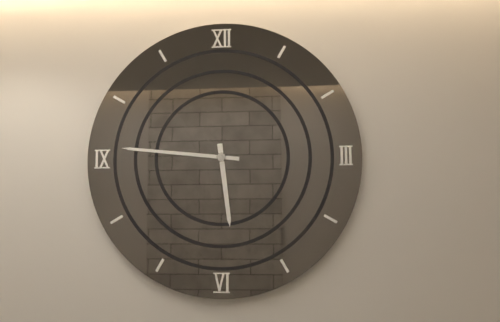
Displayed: 5 h 46 min
